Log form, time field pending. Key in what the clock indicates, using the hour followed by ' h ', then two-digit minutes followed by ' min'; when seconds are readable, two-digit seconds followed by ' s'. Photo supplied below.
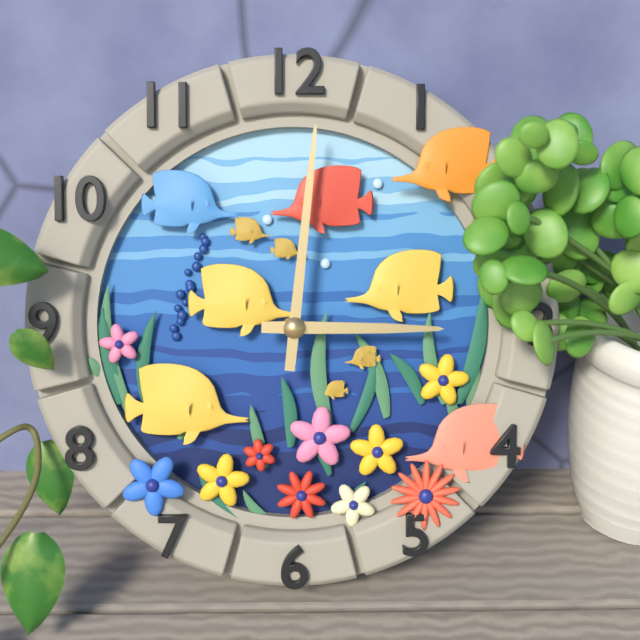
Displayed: 3 h 01 min
